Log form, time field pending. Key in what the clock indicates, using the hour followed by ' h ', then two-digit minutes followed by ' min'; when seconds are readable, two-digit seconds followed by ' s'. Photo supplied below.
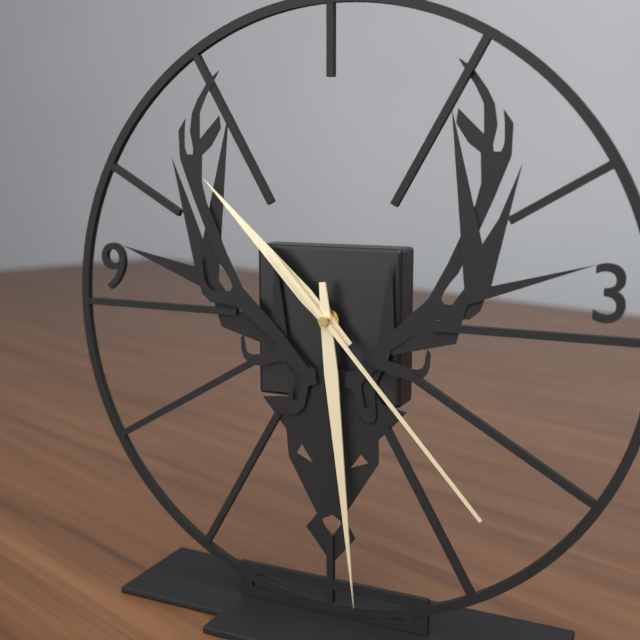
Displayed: 10 h 29 min 23 s
